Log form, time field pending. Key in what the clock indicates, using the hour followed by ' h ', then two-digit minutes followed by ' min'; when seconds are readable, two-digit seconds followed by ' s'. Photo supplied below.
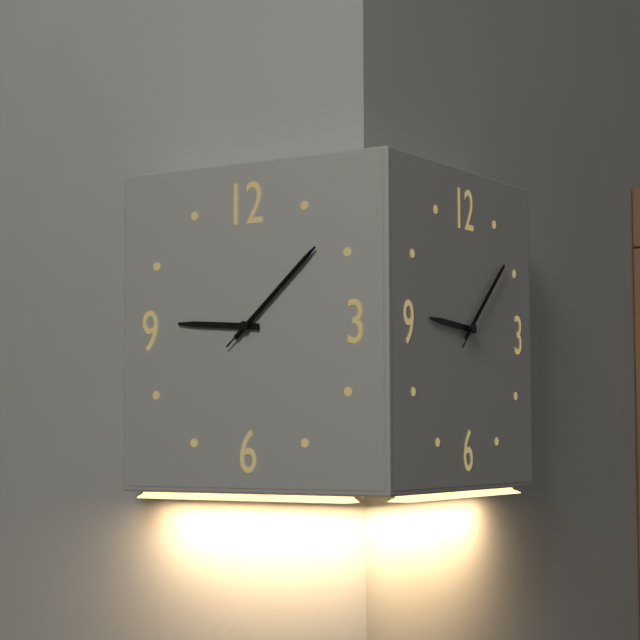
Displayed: 9 h 08 min 08 s
